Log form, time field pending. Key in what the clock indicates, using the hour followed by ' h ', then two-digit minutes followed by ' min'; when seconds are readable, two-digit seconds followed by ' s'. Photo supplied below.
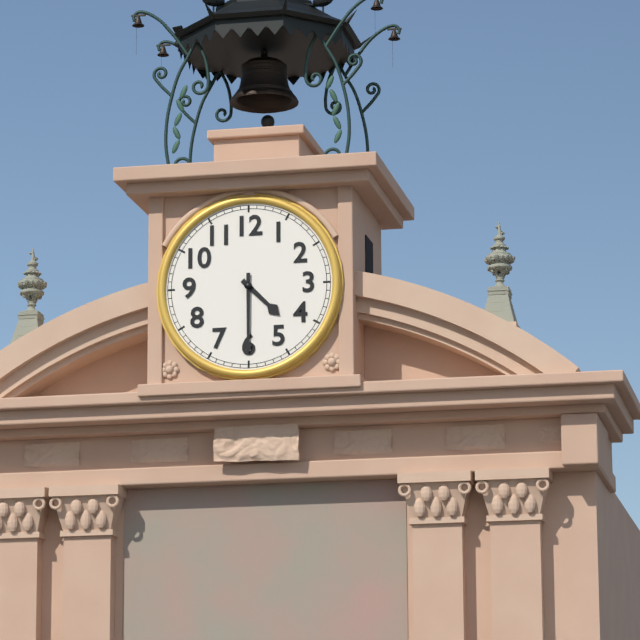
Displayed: 4 h 30 min
